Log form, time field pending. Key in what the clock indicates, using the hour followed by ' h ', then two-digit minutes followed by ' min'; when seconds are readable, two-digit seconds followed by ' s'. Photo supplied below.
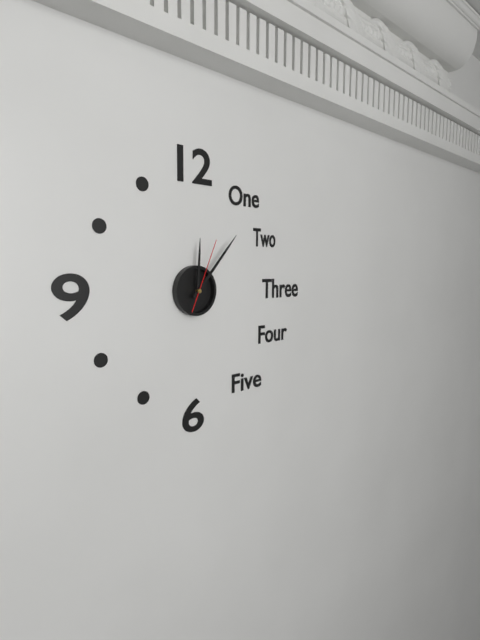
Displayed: 12 h 07 min 04 s
